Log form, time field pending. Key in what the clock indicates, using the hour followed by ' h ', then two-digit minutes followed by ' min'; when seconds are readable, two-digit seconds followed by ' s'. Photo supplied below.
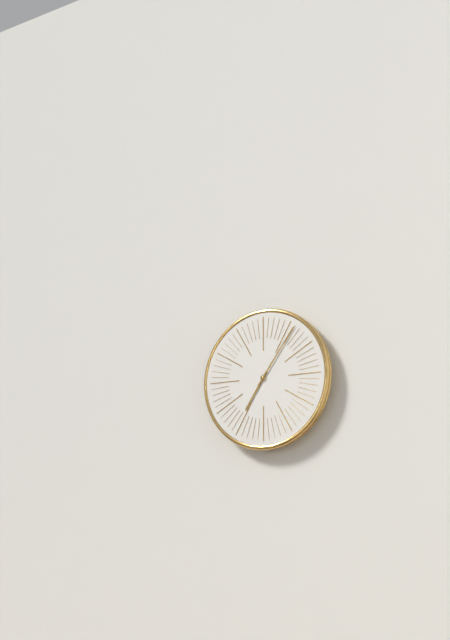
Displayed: 7 h 06 min
